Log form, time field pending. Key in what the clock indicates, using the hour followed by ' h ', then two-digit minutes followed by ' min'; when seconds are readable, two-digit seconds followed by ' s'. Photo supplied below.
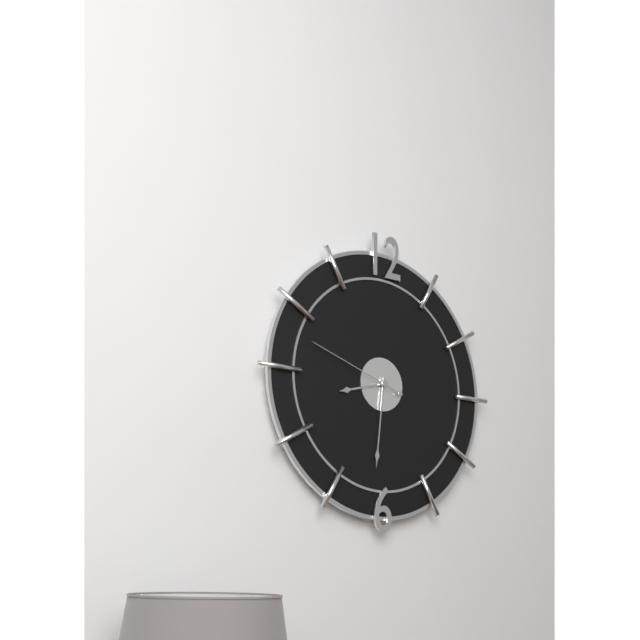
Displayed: 8 h 31 min 48 s
